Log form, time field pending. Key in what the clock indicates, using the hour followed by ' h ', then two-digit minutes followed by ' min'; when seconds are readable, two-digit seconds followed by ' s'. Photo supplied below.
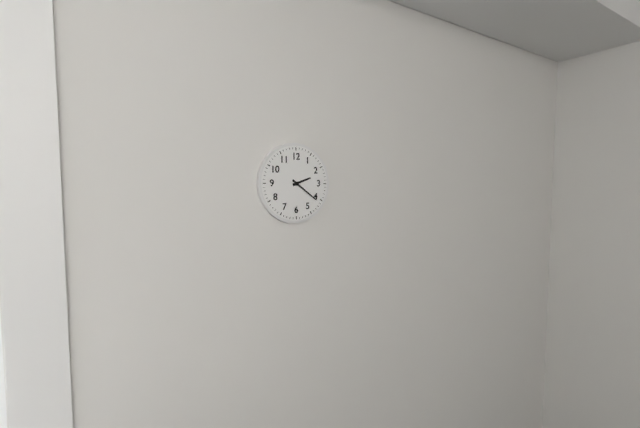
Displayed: 2 h 21 min
